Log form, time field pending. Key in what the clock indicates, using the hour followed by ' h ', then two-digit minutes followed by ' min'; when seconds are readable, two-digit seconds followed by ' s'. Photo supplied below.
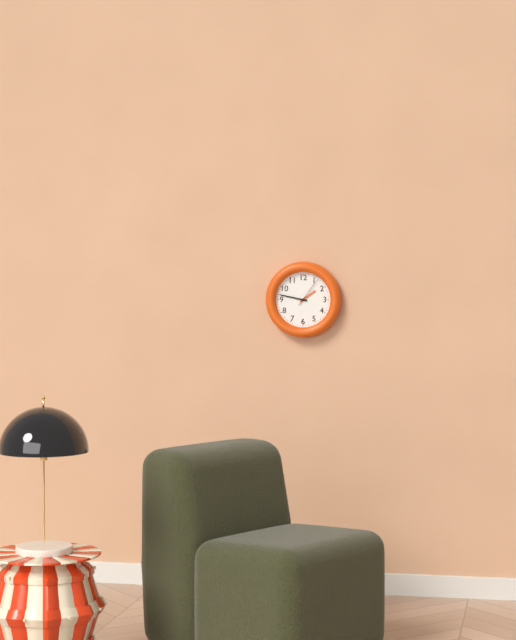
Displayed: 1 h 47 min
